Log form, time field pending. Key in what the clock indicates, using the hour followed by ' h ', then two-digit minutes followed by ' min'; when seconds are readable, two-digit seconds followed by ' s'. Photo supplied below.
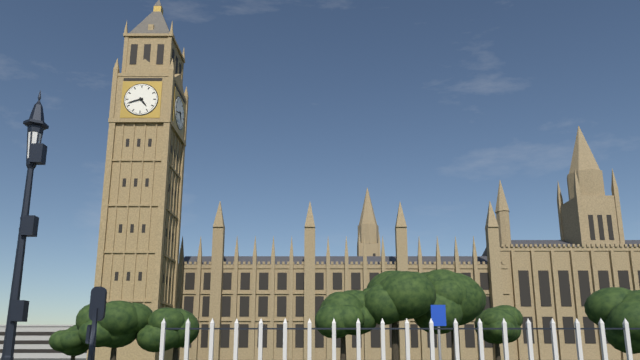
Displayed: 4 h 42 min
